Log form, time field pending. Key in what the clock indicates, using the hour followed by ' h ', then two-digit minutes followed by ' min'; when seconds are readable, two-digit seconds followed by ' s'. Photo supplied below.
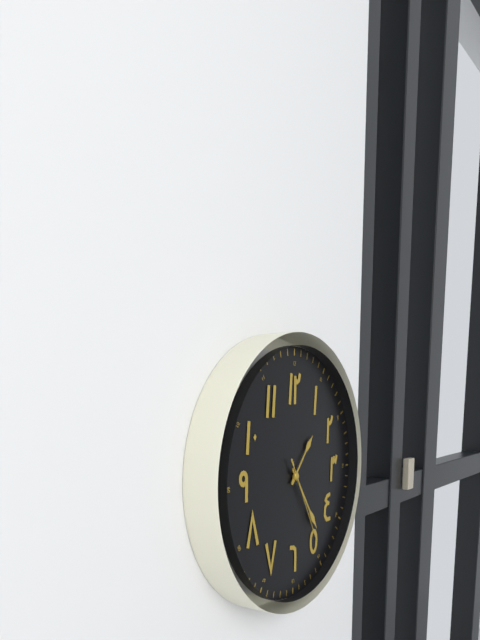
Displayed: 1 h 24 min 25 s
